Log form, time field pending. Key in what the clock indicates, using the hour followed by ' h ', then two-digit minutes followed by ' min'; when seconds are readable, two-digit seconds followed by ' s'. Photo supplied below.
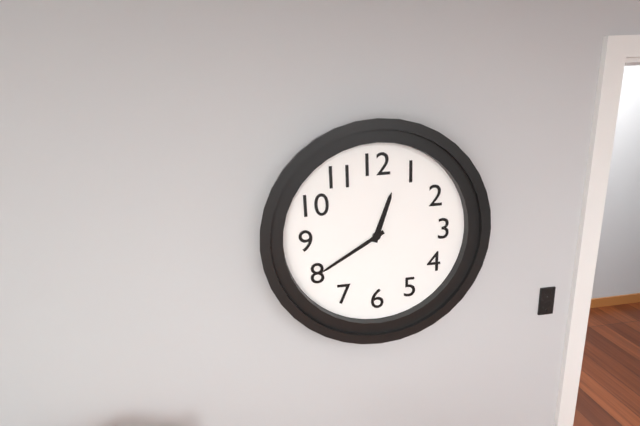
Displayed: 12 h 40 min
